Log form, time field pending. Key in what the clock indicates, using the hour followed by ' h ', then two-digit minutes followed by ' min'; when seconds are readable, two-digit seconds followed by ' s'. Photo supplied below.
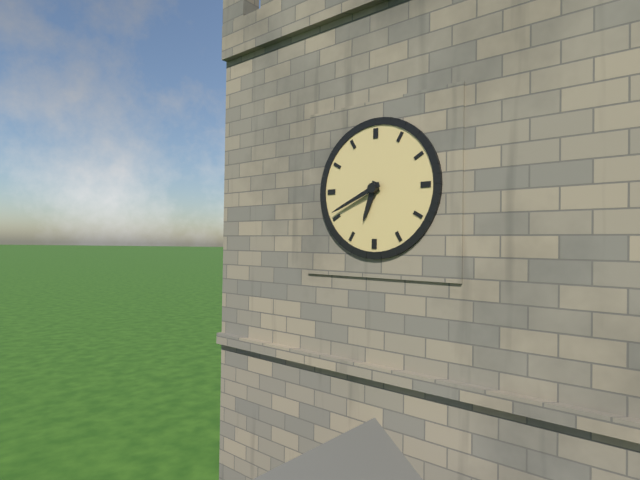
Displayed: 6 h 41 min
